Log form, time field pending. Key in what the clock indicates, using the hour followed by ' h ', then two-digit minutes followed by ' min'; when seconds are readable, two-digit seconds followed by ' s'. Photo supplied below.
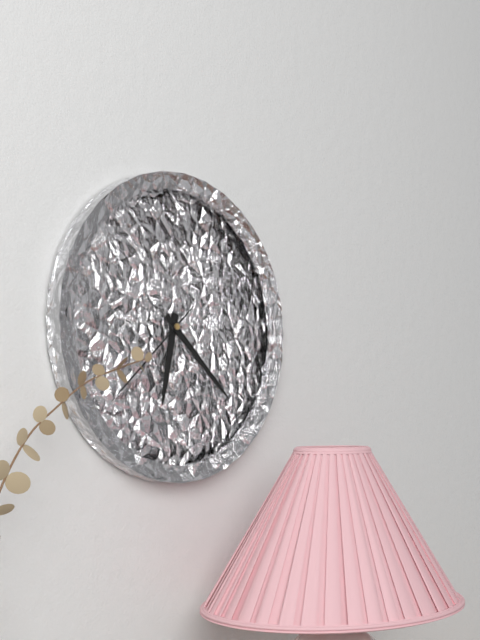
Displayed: 6 h 22 min 38 s
